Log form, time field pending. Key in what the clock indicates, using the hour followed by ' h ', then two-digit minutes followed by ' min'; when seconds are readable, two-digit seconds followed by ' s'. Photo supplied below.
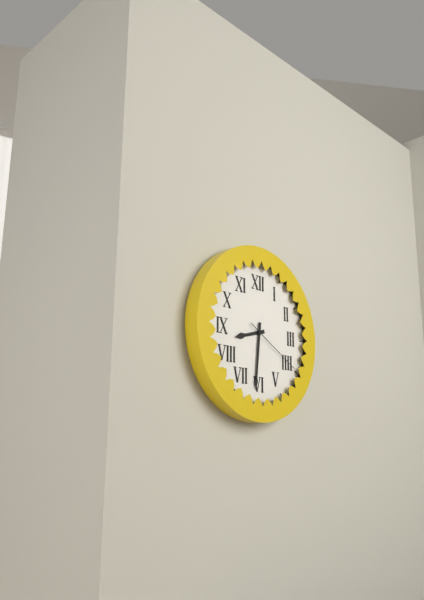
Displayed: 8 h 31 min 20 s
